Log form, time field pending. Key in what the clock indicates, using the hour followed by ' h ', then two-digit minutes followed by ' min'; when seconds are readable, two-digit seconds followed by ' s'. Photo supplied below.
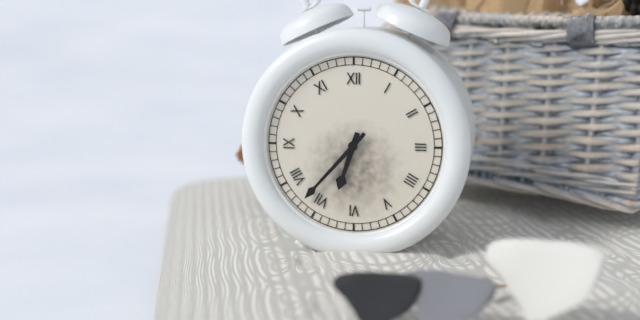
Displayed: 6 h 37 min
